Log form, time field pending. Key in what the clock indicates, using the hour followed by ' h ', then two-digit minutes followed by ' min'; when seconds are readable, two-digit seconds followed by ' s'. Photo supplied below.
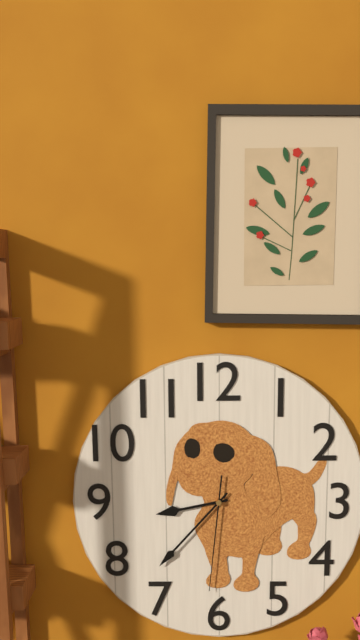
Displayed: 8 h 37 min 31 s
